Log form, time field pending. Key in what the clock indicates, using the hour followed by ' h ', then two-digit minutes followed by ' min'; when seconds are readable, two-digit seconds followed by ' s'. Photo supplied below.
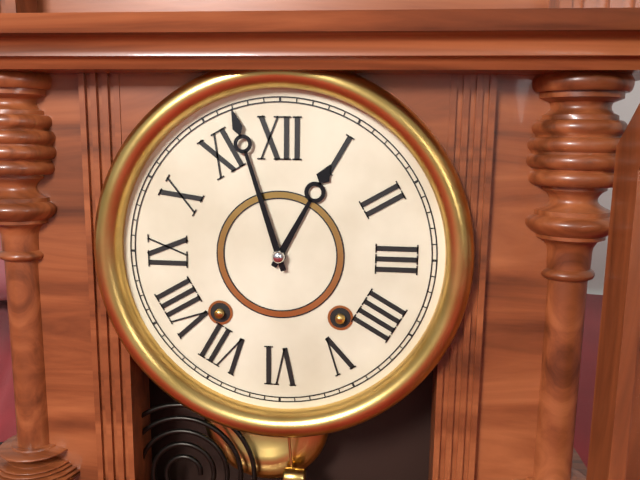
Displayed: 12 h 57 min
